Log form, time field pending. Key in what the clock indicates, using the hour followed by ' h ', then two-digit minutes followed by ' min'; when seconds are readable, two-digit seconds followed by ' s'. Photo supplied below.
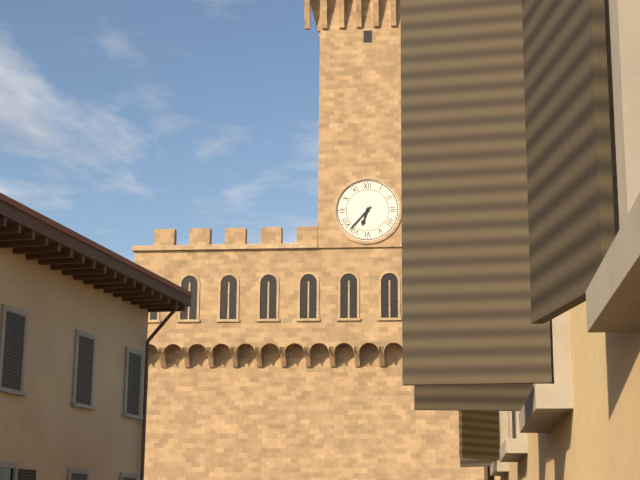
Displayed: 6 h 37 min
